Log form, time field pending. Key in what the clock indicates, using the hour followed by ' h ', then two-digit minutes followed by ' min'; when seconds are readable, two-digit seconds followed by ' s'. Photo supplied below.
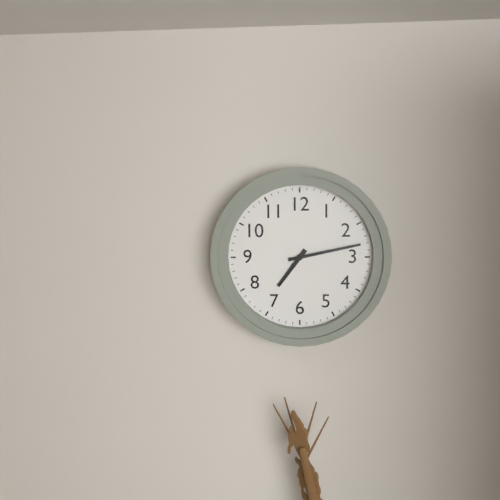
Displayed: 7 h 13 min
